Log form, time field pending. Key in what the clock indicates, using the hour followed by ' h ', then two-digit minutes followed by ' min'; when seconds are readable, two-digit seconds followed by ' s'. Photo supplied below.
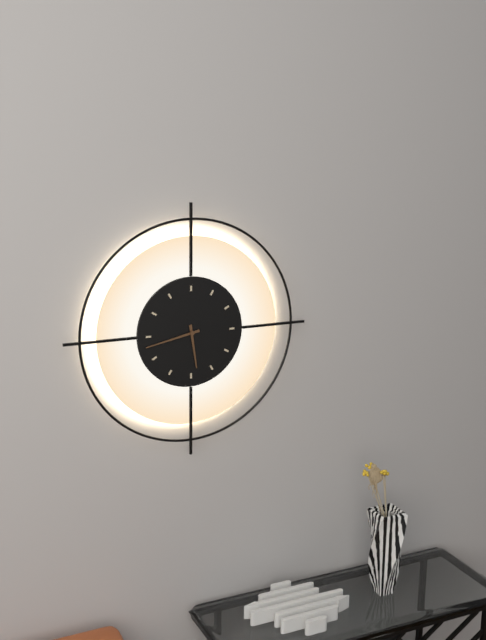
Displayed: 5 h 43 min
